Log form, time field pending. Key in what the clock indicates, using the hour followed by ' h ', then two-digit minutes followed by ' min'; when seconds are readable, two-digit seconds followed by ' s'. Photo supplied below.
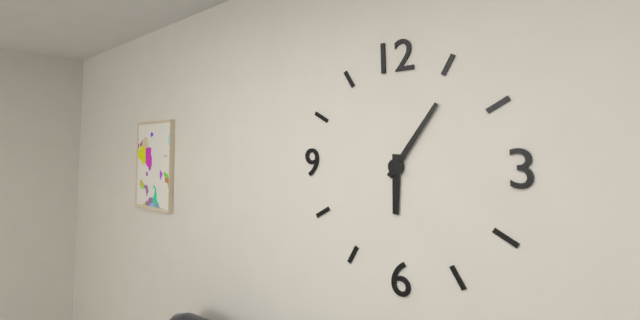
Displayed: 6 h 06 min
